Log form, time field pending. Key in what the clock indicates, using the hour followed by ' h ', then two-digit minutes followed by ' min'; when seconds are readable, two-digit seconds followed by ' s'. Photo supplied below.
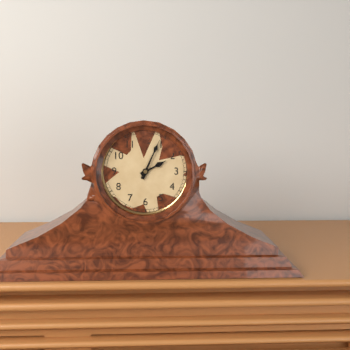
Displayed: 2 h 04 min
